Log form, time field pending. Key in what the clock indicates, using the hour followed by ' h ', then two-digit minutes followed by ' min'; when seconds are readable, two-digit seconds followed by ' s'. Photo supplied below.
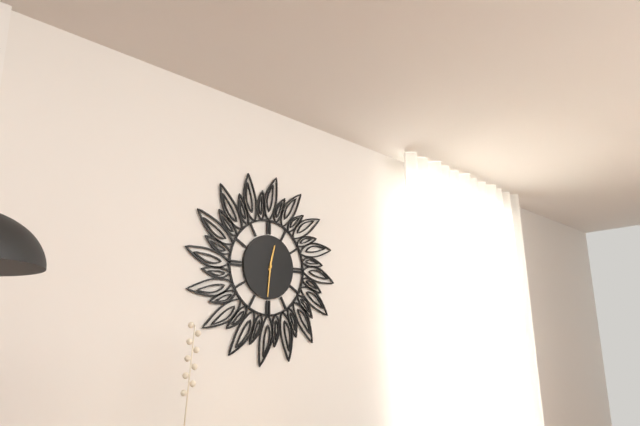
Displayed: 12 h 31 min
